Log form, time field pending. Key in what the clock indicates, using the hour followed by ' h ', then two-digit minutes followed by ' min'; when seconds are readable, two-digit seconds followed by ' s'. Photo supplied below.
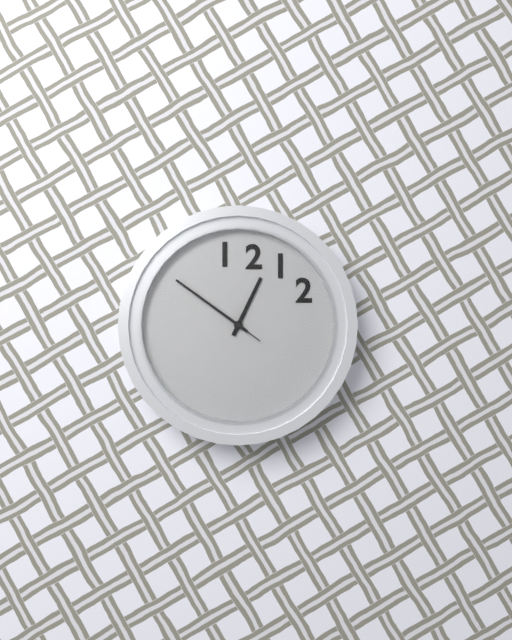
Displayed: 12 h 51 min 51 s
